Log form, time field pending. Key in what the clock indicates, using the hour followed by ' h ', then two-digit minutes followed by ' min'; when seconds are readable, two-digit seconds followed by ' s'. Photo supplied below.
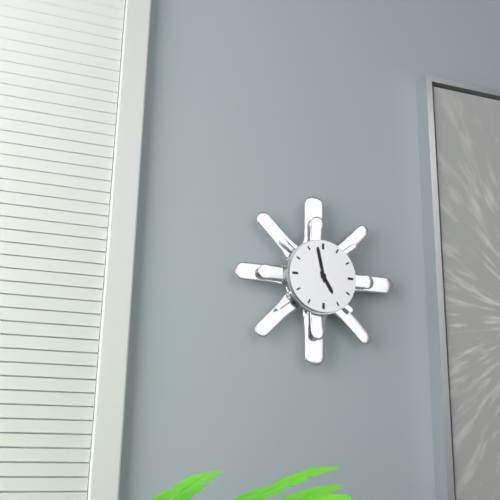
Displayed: 4 h 58 min
